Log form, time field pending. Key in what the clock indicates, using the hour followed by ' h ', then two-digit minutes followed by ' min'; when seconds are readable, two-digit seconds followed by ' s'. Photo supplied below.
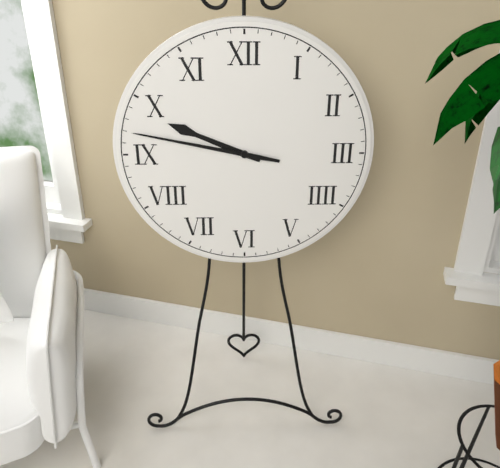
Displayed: 9 h 47 min
